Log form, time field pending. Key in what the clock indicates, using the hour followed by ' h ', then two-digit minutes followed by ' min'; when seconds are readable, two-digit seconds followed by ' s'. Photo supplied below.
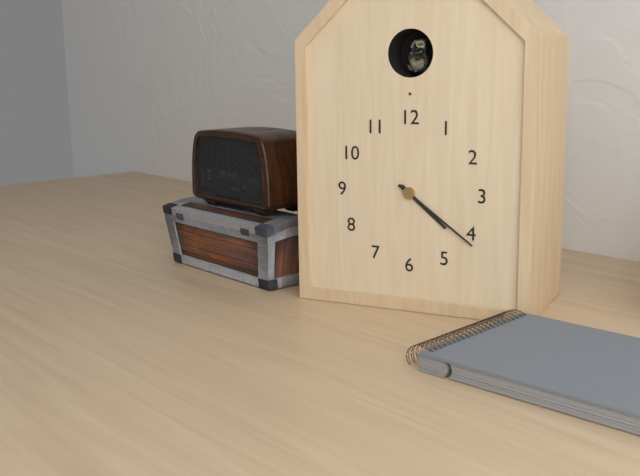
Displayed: 4 h 21 min
